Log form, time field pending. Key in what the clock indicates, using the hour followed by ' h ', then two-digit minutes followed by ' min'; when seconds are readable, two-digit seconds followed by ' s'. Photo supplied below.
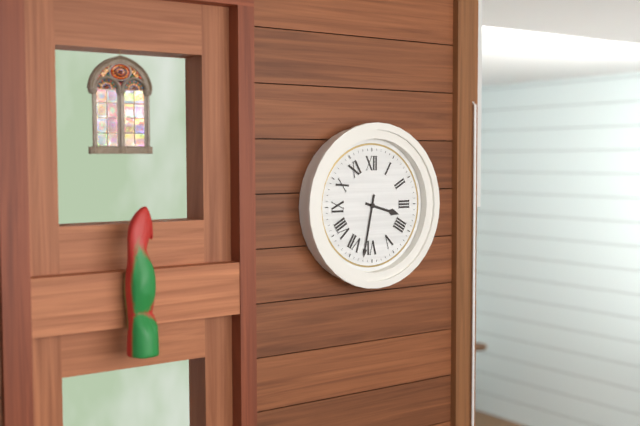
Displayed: 3 h 32 min
